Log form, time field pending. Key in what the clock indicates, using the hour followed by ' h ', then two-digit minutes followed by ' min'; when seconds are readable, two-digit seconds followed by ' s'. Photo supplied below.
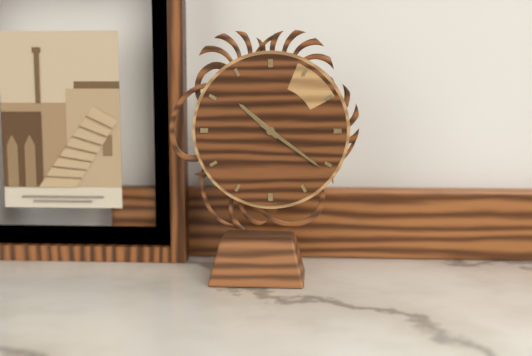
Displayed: 10 h 21 min
